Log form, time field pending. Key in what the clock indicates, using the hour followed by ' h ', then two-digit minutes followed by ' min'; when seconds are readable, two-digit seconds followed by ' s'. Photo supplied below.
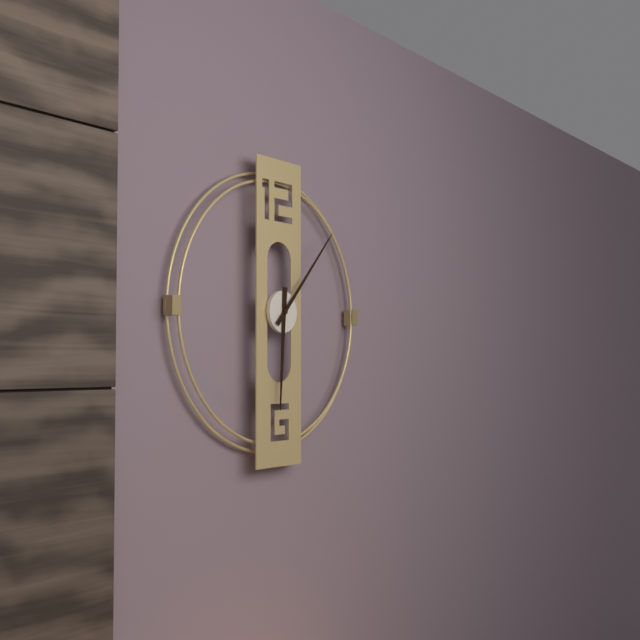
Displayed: 6 h 07 min
